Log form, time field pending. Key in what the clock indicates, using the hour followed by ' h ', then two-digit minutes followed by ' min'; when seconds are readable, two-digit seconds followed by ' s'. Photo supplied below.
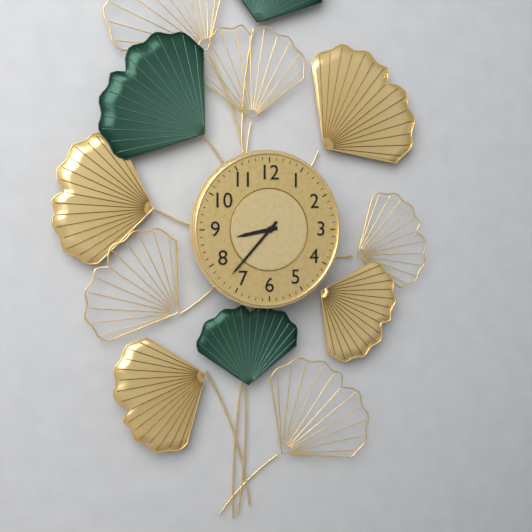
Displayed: 8 h 37 min
